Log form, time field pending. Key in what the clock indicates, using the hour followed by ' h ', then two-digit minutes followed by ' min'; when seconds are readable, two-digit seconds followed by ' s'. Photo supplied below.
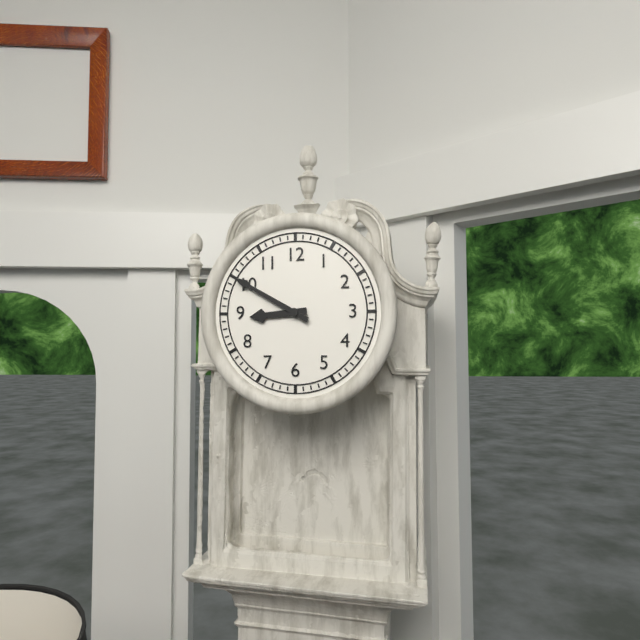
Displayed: 8 h 50 min
